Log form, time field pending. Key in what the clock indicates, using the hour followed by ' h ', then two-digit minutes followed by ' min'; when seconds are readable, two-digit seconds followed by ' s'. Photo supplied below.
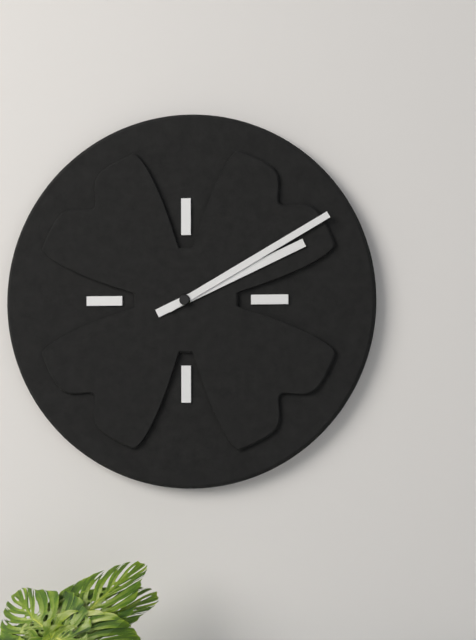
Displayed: 2 h 10 min
